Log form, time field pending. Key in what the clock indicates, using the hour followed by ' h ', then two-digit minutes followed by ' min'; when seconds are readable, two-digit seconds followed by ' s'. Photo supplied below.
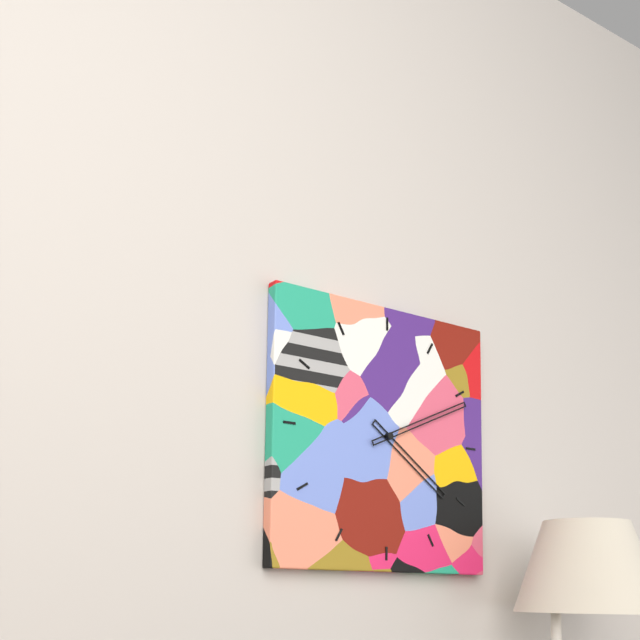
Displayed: 4 h 11 min
